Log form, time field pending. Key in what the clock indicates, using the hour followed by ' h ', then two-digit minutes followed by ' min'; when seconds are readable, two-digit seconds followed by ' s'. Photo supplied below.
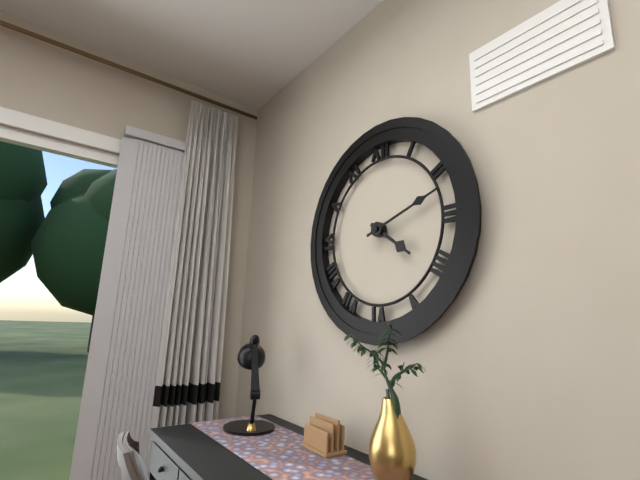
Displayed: 4 h 12 min
